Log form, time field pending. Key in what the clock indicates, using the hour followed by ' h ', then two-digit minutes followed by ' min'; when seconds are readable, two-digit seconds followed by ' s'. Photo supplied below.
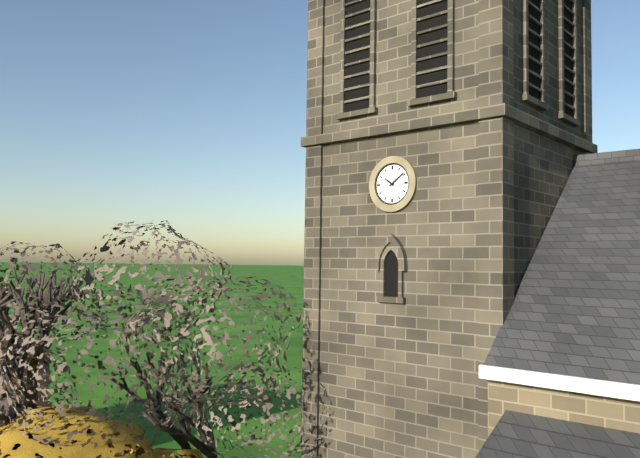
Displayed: 10 h 09 min
